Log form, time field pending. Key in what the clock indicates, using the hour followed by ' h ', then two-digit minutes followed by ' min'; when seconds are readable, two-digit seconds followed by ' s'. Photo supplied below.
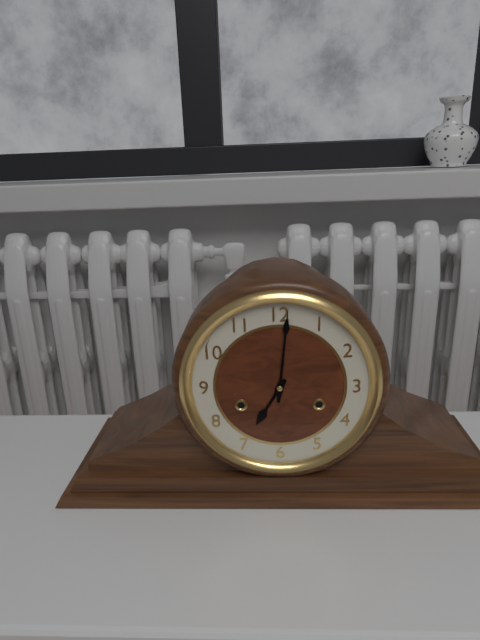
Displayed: 7 h 01 min
